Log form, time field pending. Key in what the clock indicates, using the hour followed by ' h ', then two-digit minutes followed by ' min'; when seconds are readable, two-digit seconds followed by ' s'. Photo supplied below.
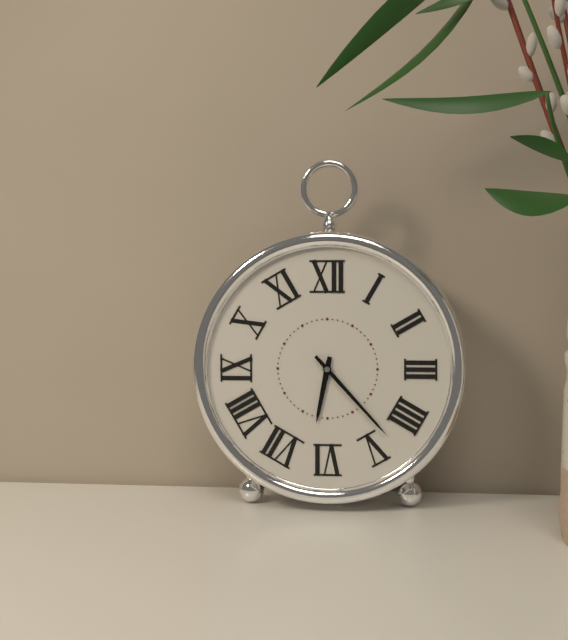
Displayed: 6 h 23 min
